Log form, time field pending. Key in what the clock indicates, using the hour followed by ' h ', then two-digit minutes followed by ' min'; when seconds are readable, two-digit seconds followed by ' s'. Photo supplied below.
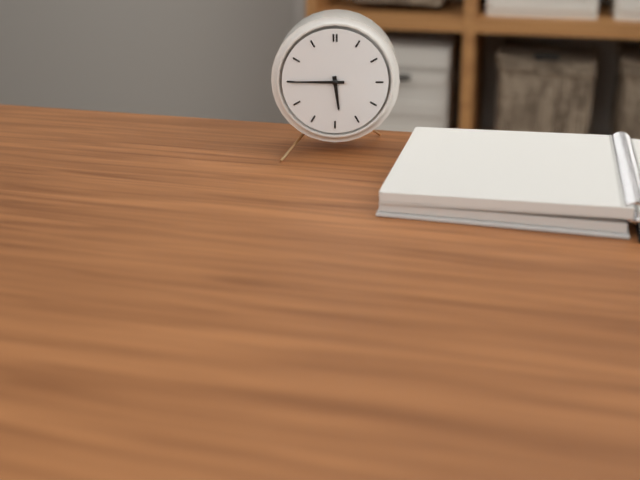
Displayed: 5 h 45 min
